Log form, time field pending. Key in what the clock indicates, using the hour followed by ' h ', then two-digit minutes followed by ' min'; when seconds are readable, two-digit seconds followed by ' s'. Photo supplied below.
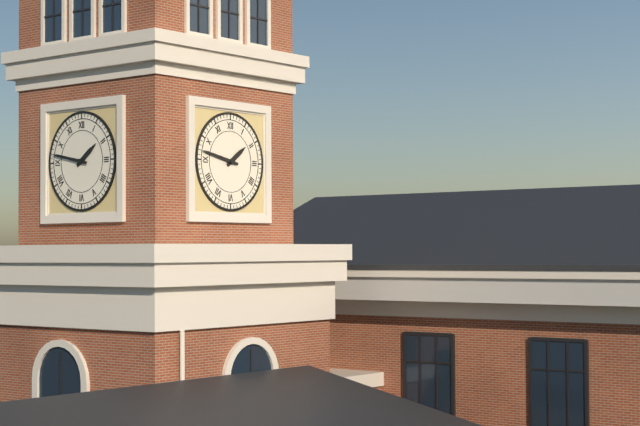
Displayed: 1 h 47 min
